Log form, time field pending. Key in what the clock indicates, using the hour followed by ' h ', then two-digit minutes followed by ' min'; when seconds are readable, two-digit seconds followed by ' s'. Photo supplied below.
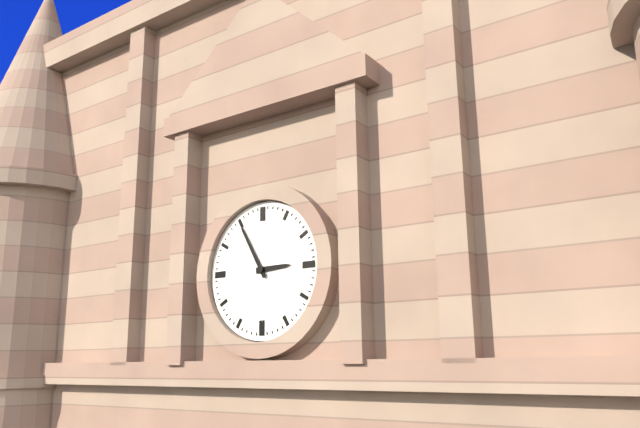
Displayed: 2 h 55 min
